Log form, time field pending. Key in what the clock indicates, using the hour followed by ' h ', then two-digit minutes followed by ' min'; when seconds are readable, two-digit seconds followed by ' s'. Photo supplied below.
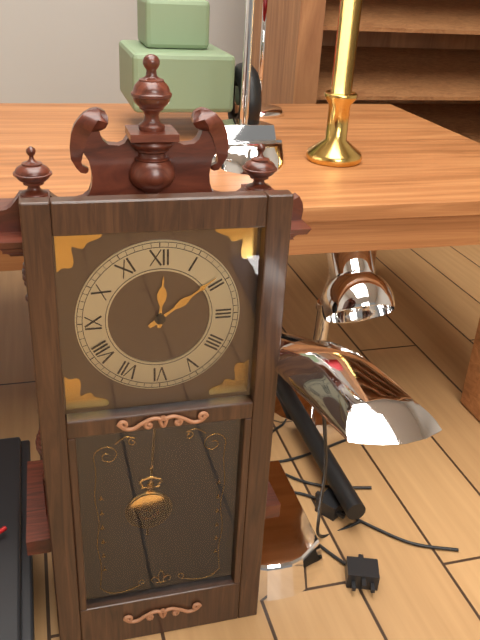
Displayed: 12 h 09 min
